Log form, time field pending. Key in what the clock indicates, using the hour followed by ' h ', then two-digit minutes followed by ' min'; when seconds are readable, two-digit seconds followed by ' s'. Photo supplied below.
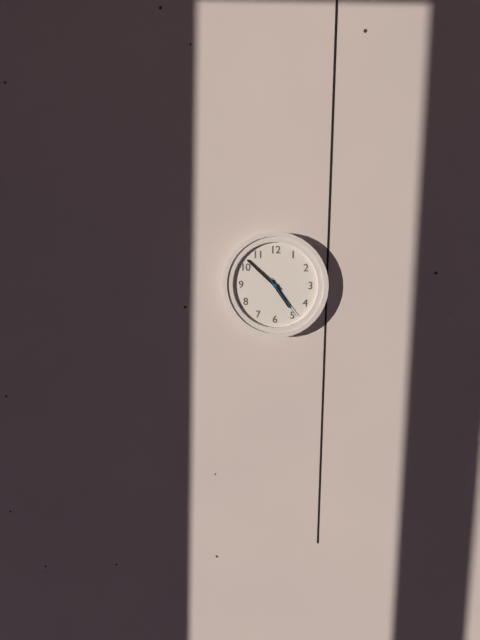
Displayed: 4 h 52 min
